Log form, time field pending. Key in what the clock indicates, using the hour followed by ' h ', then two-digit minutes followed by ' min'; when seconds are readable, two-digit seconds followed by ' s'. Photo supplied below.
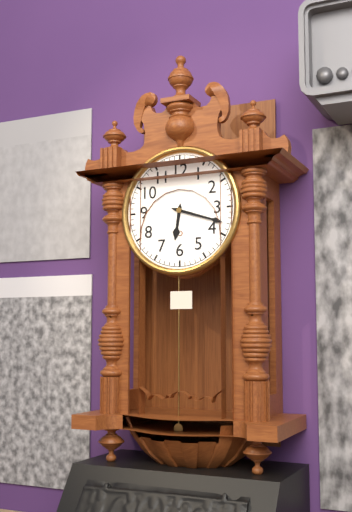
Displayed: 6 h 18 min
